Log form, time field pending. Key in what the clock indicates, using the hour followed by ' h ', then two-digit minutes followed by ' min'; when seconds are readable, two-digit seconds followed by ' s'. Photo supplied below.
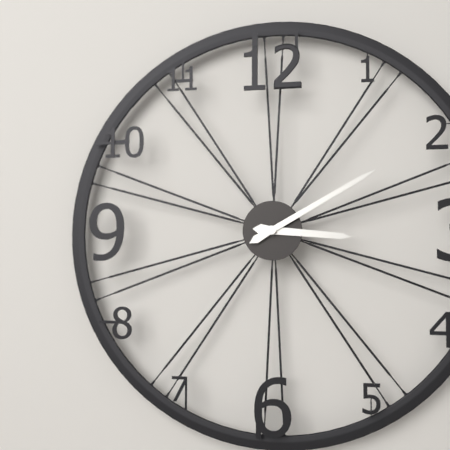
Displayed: 3 h 10 min
